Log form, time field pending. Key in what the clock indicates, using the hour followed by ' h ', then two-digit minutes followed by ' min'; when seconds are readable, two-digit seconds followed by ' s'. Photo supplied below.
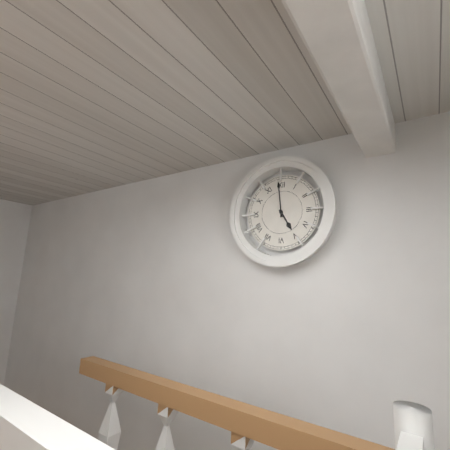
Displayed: 4 h 59 min
